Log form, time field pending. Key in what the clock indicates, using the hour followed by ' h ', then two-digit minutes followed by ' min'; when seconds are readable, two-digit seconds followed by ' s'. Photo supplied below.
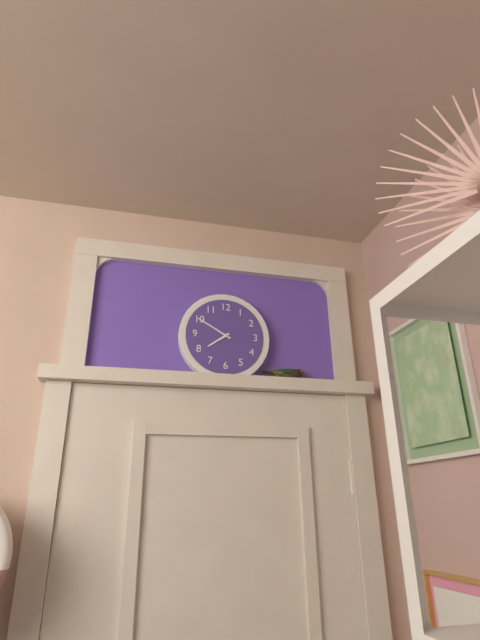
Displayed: 7 h 50 min
